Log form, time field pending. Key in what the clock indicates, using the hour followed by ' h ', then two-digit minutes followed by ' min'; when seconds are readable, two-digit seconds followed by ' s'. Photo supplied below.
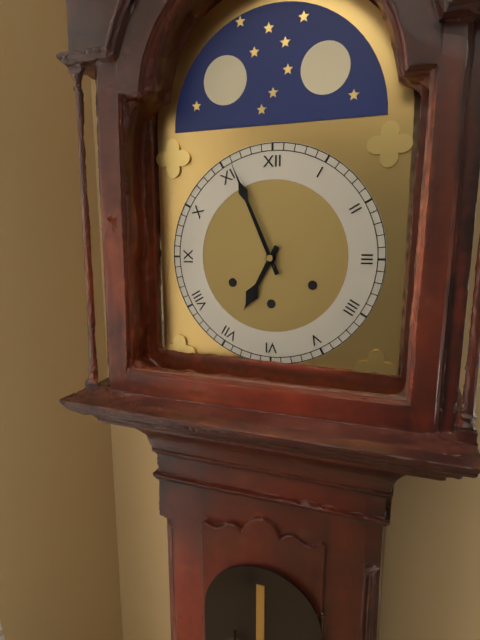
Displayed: 6 h 56 min
